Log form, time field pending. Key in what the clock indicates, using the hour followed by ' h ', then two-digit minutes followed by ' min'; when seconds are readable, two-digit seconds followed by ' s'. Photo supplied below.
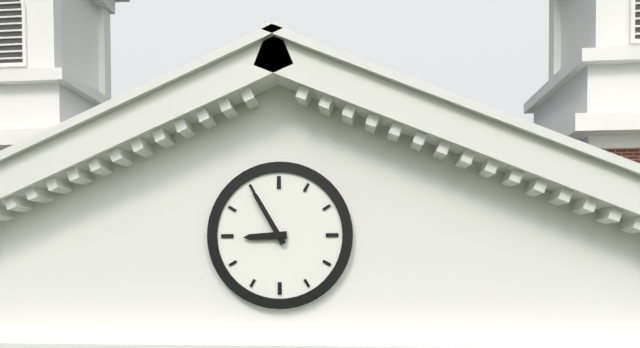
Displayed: 8 h 55 min
